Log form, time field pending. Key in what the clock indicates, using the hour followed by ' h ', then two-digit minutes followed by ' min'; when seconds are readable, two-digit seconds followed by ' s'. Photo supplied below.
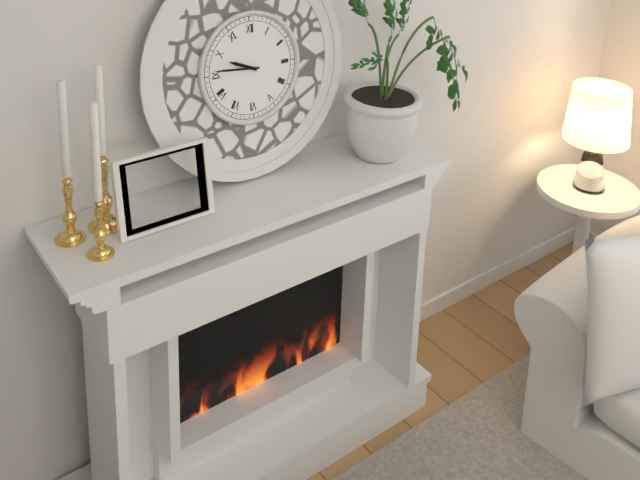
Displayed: 9 h 46 min
